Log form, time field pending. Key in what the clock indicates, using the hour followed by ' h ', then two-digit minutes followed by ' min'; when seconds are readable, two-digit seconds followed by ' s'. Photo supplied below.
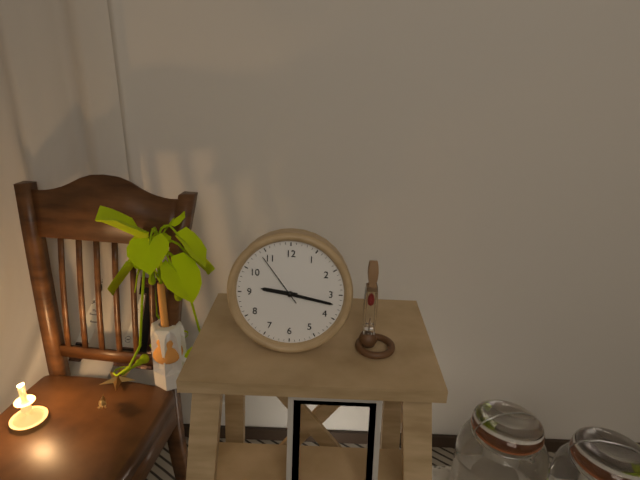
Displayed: 9 h 17 min 54 s
